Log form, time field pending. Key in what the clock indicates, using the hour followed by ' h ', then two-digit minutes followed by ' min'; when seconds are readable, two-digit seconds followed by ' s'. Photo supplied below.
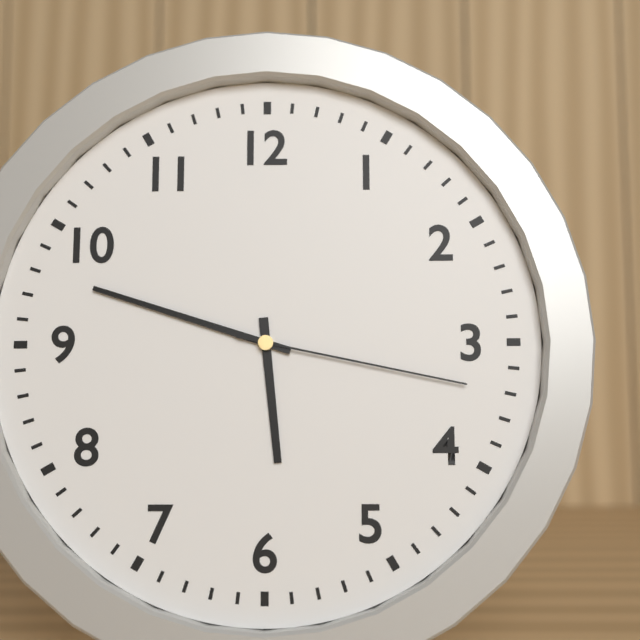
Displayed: 5 h 48 min 17 s
